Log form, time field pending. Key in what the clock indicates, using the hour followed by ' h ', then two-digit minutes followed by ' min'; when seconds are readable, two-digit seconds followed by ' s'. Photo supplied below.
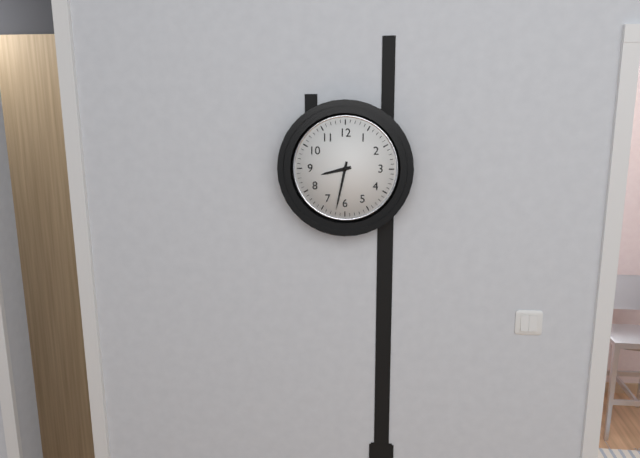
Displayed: 8 h 32 min
